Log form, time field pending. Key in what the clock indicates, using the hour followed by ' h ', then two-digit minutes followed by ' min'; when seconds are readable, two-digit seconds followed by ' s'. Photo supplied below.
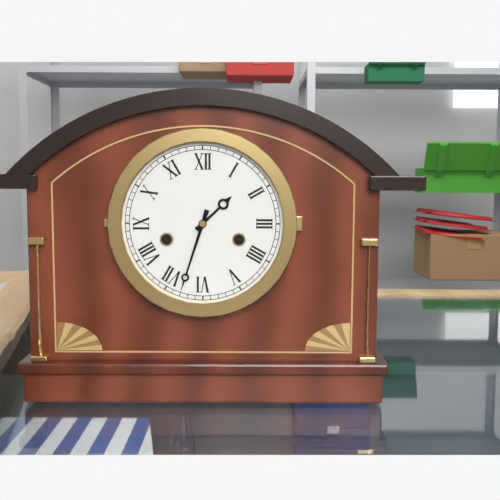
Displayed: 1 h 33 min
